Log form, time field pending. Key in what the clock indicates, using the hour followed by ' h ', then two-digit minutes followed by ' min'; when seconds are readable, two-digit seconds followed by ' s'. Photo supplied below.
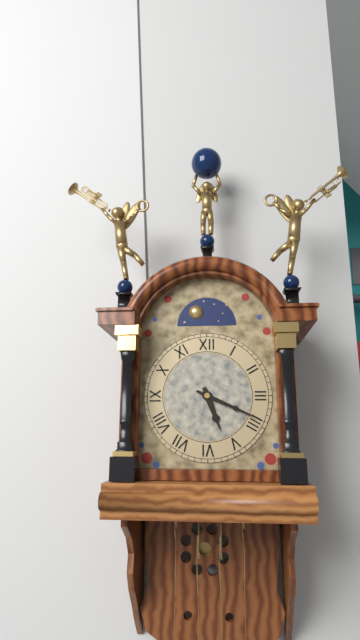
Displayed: 5 h 19 min
